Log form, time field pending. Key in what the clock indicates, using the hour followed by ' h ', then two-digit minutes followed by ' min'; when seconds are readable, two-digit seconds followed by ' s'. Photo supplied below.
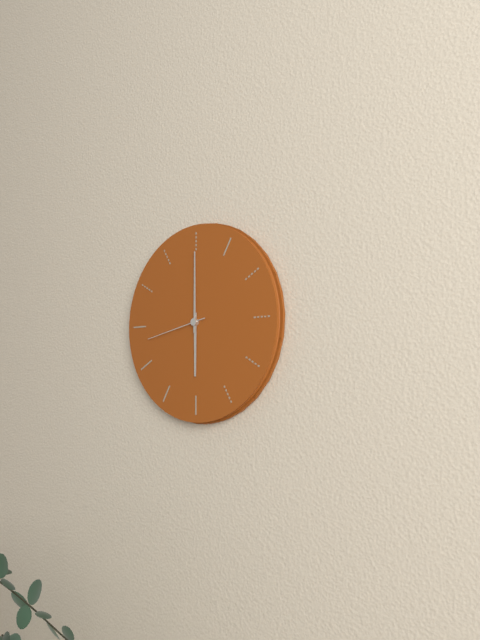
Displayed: 6 h 00 min 43 s
